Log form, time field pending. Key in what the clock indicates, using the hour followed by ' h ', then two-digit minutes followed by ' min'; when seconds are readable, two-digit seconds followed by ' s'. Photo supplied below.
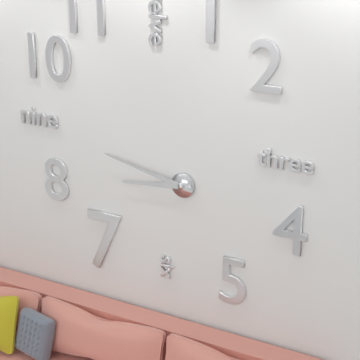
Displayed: 8 h 47 min
